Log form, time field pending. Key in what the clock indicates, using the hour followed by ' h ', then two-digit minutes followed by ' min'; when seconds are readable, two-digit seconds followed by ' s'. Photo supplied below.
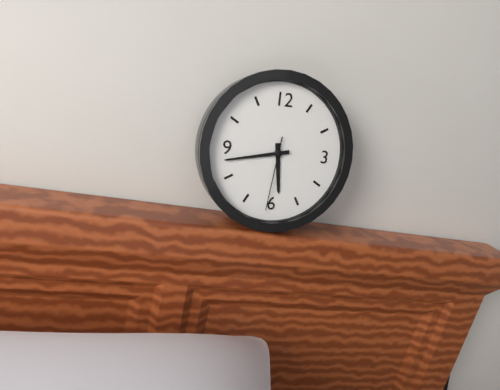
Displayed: 5 h 43 min 31 s
